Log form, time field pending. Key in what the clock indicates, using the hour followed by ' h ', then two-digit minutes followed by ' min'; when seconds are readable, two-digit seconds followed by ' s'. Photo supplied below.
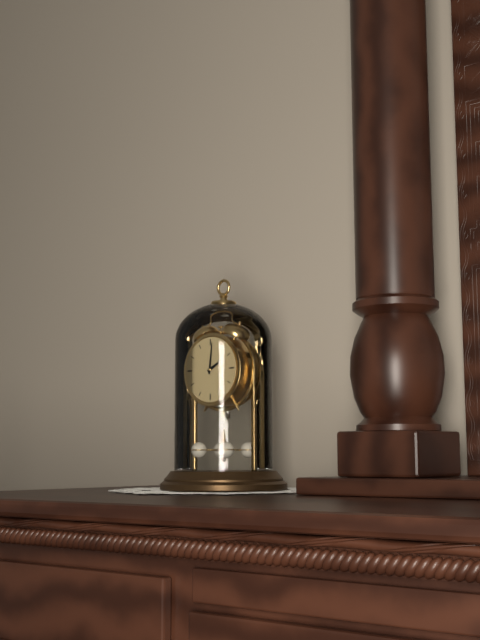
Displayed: 2 h 01 min
